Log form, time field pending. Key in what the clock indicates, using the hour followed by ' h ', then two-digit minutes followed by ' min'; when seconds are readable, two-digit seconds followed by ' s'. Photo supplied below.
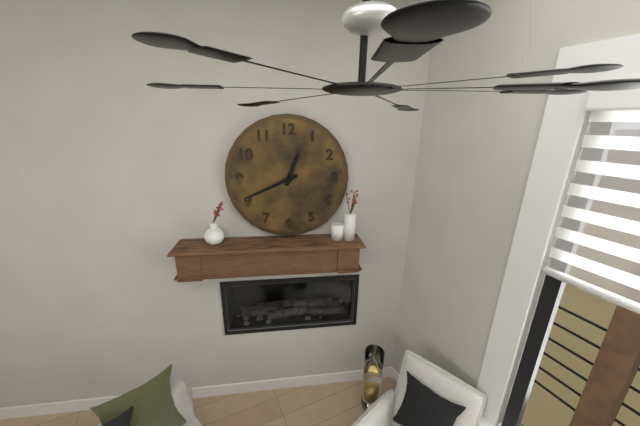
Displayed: 12 h 41 min
